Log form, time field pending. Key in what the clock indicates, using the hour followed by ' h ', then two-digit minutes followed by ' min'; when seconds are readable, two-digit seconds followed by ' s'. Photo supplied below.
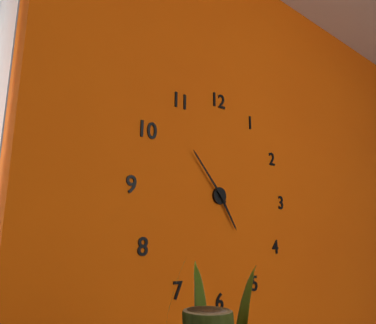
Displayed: 4 h 53 min
